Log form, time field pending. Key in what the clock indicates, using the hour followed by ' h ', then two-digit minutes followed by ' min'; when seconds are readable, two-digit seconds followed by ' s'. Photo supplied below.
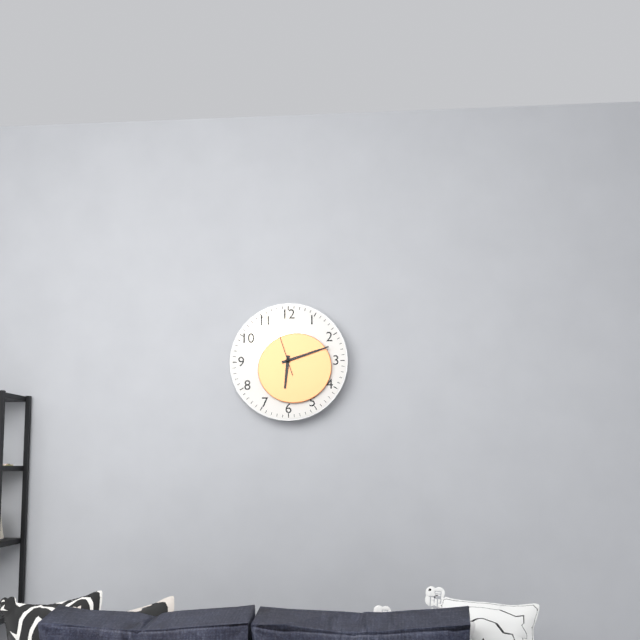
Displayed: 6 h 12 min 57 s
